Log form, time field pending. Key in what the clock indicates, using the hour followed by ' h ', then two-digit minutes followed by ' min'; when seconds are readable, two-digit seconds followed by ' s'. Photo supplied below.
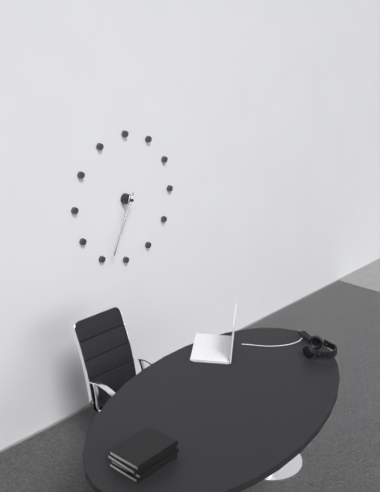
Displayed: 6 h 34 min
